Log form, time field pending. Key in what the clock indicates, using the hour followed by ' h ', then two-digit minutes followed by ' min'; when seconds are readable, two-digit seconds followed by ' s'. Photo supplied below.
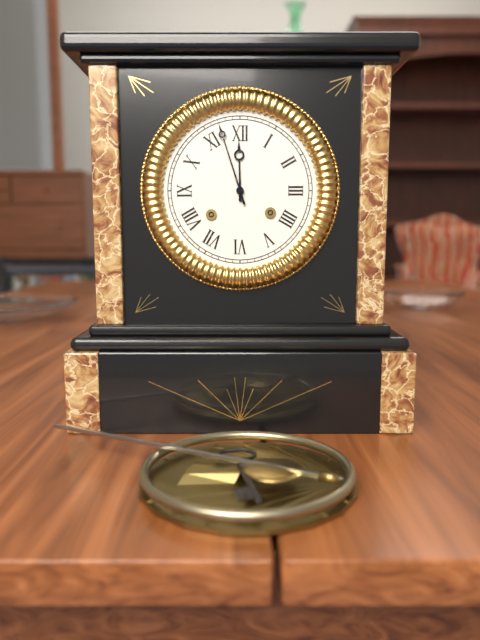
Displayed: 11 h 57 min
